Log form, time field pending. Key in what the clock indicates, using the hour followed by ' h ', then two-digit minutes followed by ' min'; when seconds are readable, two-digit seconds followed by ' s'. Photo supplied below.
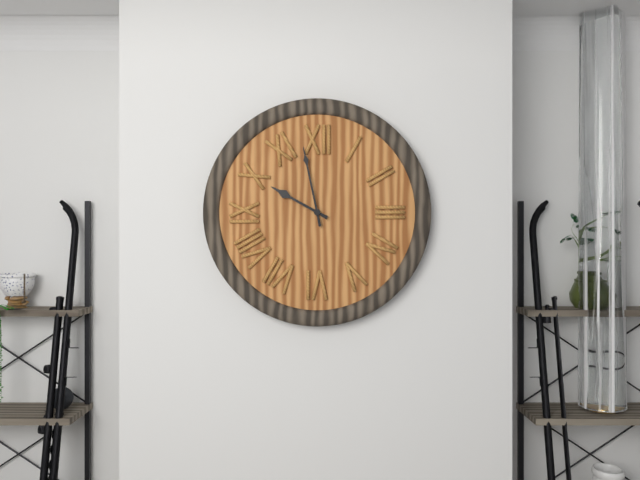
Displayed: 9 h 58 min
